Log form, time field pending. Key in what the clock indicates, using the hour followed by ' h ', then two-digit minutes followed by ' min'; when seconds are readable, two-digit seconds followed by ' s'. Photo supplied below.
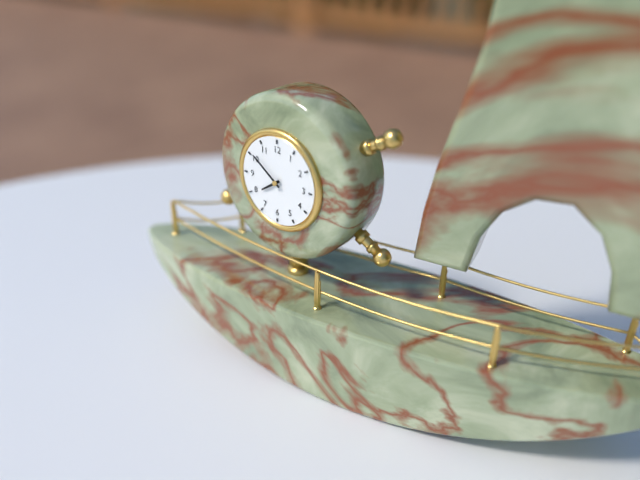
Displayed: 7 h 51 min
